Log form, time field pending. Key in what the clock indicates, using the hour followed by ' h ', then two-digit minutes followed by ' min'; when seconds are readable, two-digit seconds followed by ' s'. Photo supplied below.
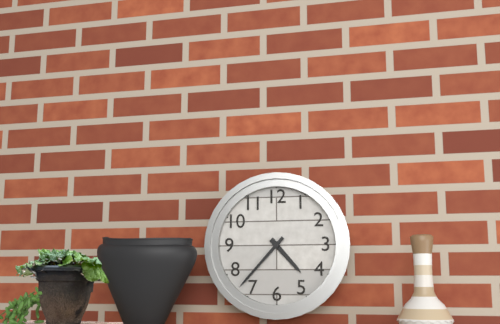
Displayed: 4 h 37 min
